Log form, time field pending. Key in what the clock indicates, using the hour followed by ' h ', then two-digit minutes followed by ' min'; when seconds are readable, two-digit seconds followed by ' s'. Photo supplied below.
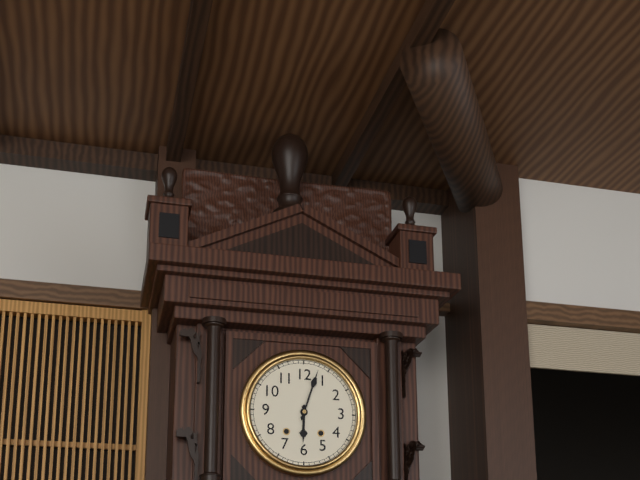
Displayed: 6 h 03 min
